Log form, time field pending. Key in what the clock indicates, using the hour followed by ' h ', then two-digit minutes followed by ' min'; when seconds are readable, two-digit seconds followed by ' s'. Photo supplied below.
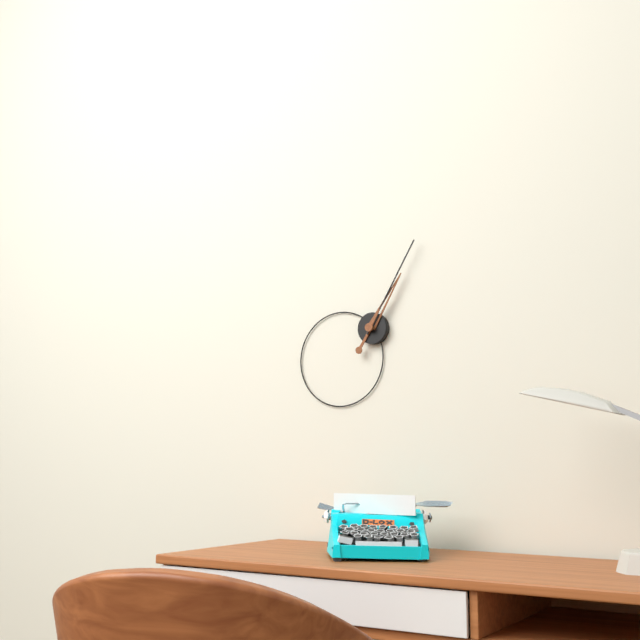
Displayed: 1 h 05 min
